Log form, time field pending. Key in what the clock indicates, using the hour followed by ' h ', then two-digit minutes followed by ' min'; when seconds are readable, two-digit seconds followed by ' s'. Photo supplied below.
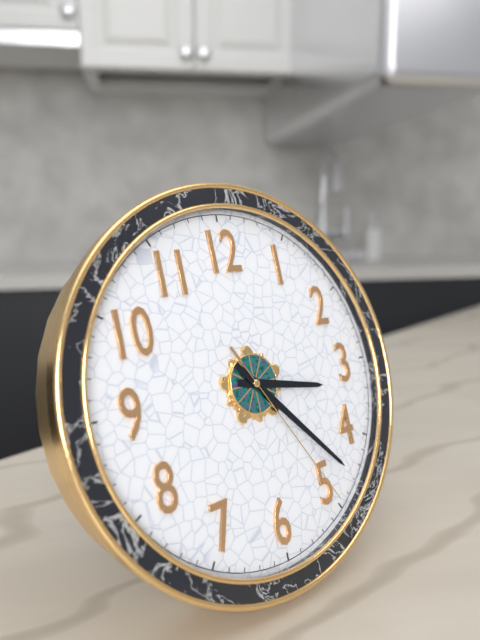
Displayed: 3 h 23 min 25 s
